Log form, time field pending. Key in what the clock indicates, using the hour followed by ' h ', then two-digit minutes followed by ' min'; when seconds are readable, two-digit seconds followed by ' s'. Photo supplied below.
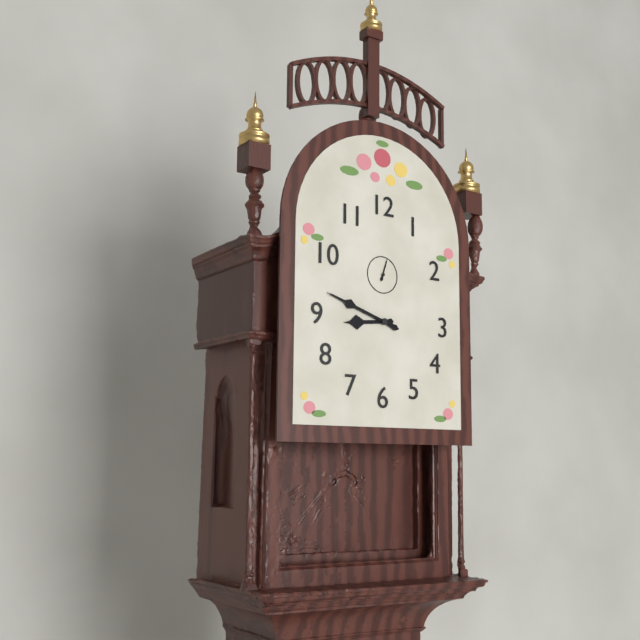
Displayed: 8 h 48 min
